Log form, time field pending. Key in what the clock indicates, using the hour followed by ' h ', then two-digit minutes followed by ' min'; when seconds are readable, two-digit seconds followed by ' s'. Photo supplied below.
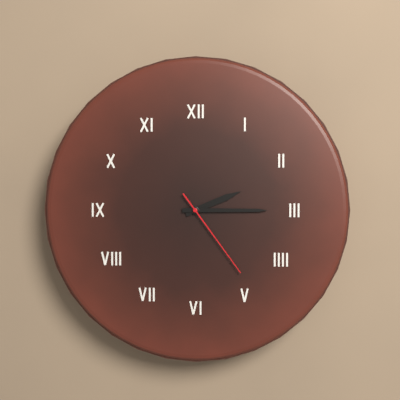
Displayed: 2 h 15 min 24 s
